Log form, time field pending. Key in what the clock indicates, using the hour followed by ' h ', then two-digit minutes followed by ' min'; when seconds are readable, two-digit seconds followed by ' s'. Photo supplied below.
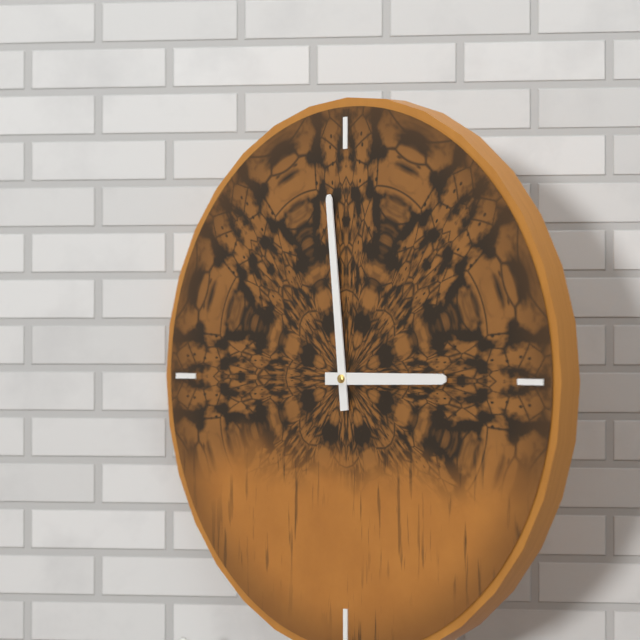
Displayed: 2 h 59 min
